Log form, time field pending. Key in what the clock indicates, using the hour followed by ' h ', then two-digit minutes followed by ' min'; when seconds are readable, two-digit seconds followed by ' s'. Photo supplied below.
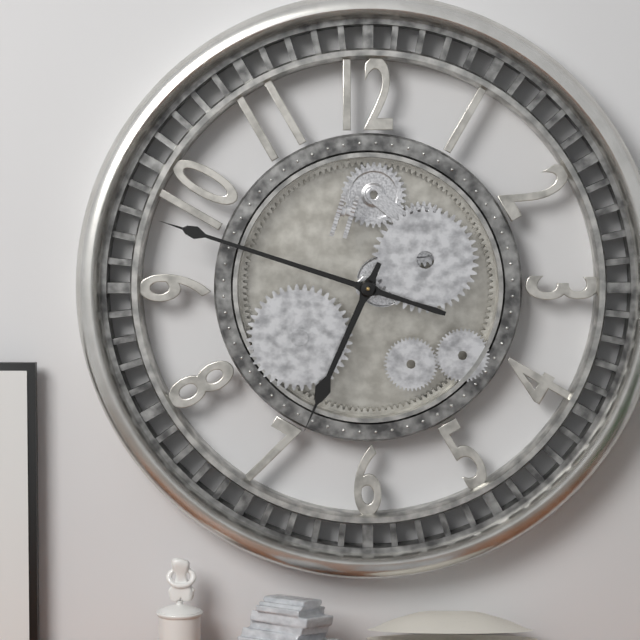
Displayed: 6 h 48 min
